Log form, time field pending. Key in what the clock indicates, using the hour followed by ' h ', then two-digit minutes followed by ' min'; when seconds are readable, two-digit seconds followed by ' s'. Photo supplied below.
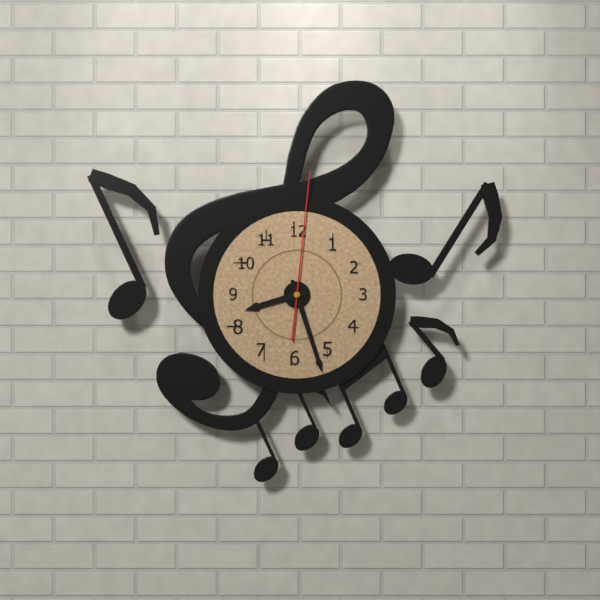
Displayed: 8 h 27 min 01 s
